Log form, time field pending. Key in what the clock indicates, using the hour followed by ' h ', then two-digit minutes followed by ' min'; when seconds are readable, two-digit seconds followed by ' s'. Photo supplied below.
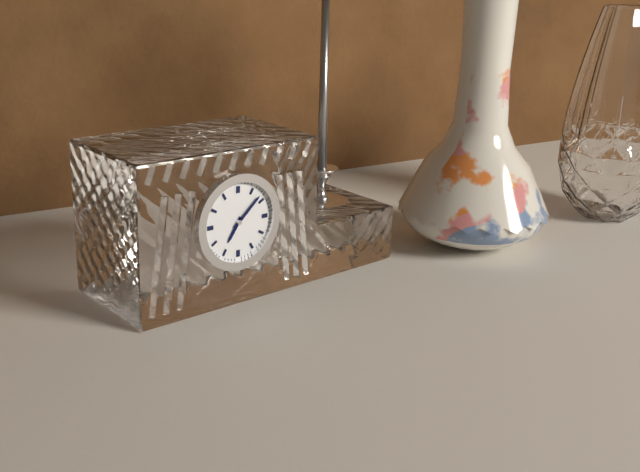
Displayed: 7 h 08 min
